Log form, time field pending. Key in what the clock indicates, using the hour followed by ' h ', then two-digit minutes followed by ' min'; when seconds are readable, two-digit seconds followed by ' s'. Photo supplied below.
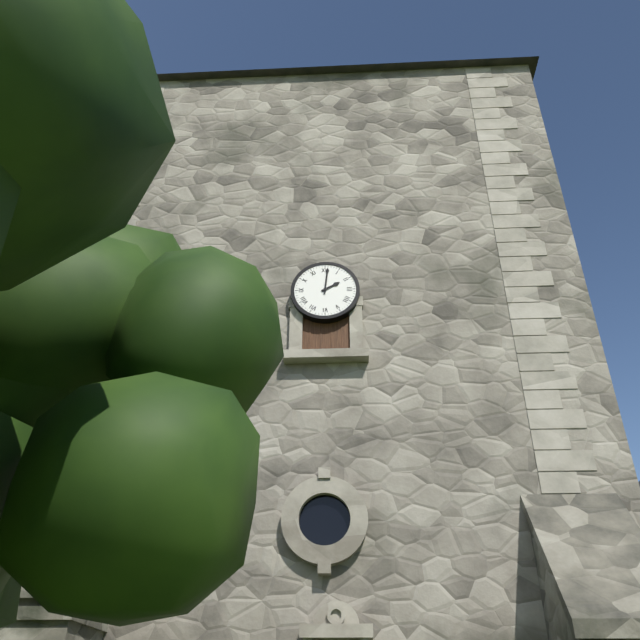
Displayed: 2 h 01 min
